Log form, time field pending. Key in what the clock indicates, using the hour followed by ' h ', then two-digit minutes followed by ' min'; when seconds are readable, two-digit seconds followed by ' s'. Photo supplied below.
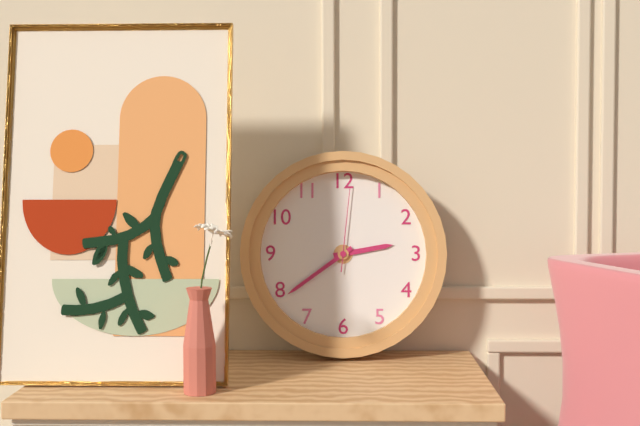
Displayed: 2 h 39 min 01 s
